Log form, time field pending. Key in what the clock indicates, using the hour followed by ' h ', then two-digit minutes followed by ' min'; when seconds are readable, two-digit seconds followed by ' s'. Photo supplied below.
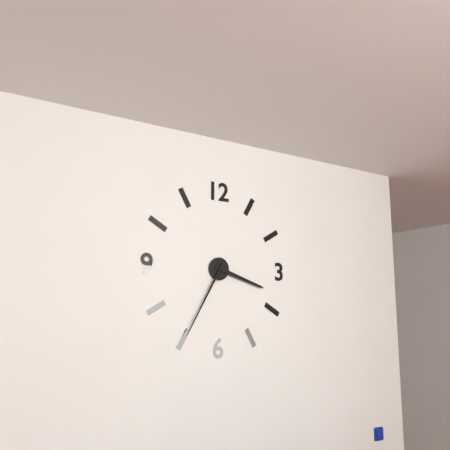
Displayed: 3 h 35 min
